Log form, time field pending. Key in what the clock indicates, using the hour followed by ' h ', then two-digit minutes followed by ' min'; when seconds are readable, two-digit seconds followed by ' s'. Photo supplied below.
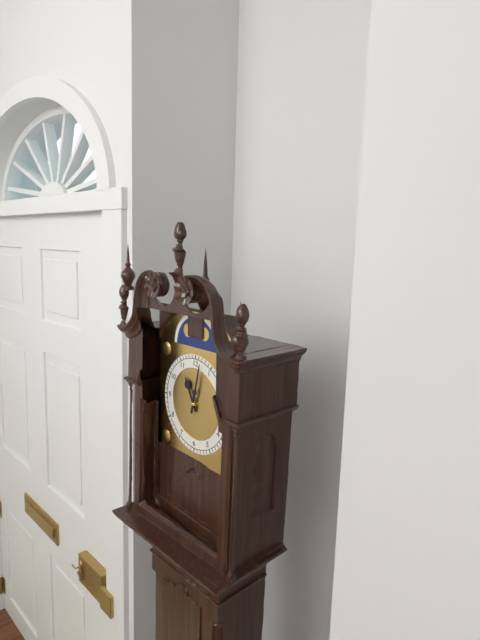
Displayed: 11 h 02 min
